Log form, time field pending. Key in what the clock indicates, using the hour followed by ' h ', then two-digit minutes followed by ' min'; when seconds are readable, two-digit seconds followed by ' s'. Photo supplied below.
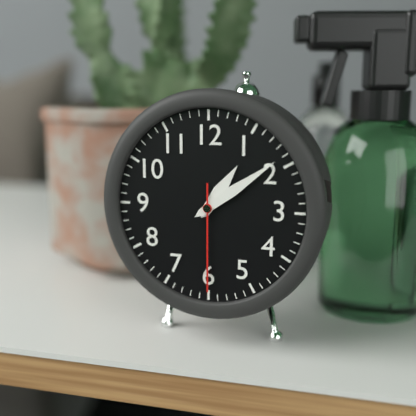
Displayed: 1 h 09 min 30 s
